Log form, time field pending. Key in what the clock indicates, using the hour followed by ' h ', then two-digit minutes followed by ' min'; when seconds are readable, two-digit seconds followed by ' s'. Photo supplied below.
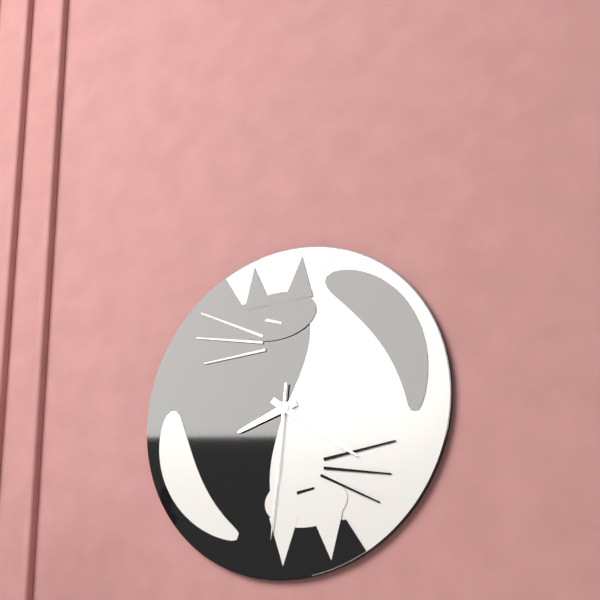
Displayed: 8 h 21 min 31 s
